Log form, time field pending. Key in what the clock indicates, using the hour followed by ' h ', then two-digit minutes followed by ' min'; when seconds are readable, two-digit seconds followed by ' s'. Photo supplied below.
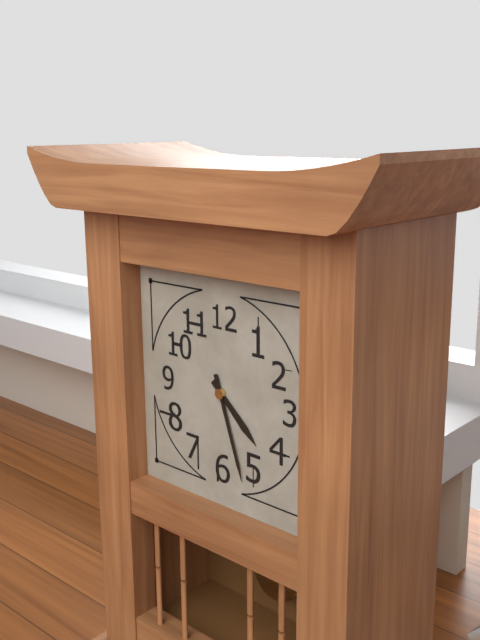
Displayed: 4 h 27 min
